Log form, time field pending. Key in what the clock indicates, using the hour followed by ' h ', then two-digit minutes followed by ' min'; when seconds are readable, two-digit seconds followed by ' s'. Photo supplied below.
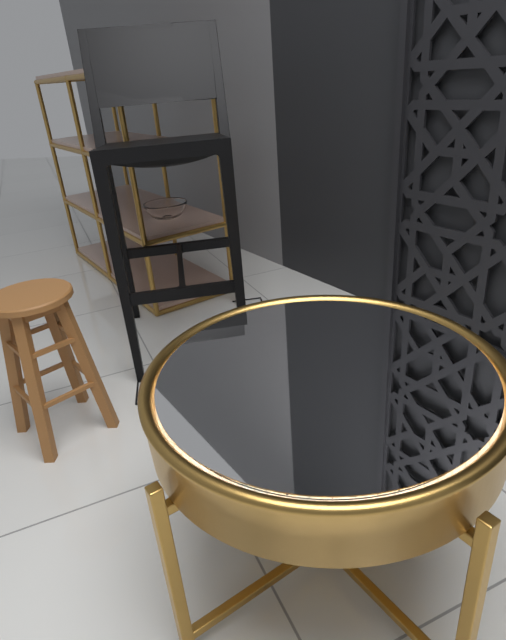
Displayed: 5 h 02 min
